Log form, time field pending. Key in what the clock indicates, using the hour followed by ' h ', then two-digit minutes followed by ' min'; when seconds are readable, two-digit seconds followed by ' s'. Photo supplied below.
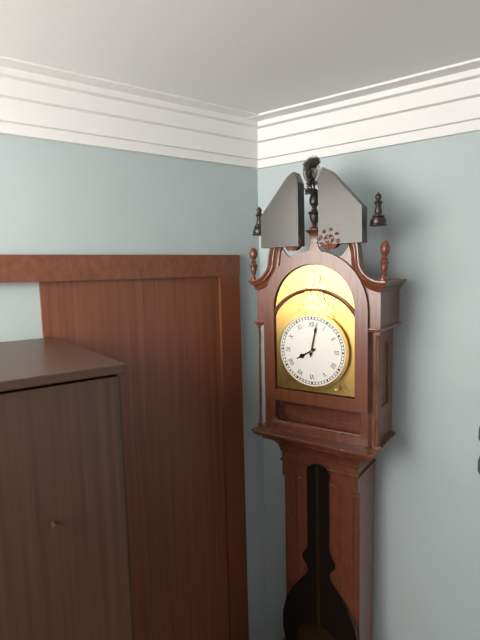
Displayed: 8 h 02 min
